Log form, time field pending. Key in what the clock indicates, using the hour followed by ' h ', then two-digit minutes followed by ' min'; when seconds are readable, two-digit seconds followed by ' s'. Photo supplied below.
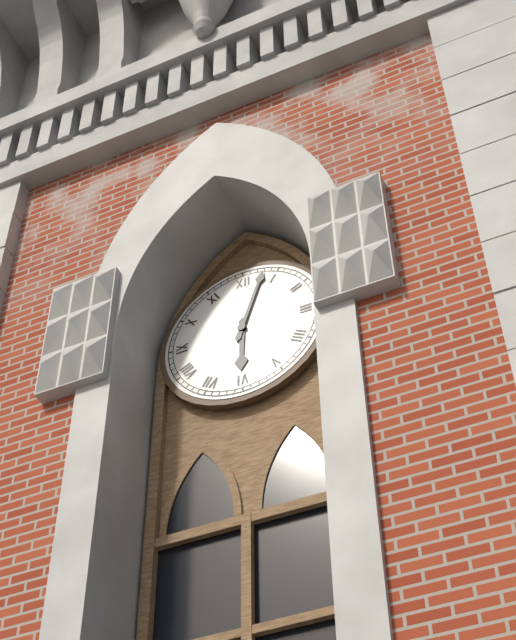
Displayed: 6 h 03 min
